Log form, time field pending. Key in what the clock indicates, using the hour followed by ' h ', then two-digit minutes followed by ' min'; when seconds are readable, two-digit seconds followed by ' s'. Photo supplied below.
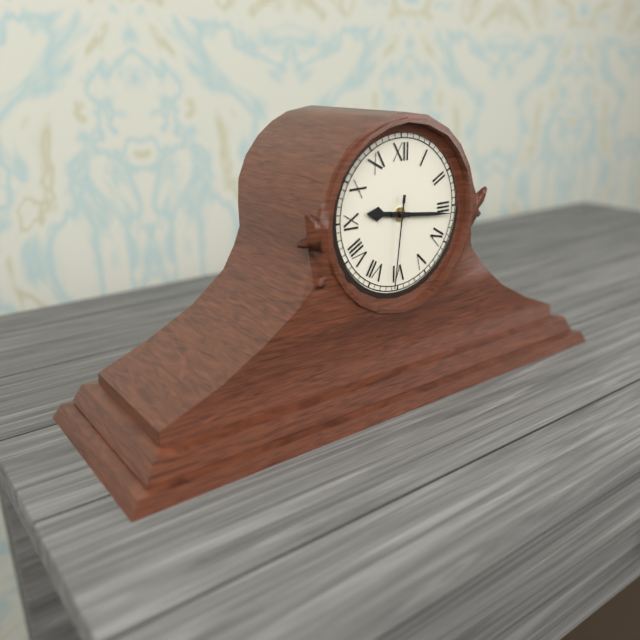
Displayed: 9 h 16 min 31 s
